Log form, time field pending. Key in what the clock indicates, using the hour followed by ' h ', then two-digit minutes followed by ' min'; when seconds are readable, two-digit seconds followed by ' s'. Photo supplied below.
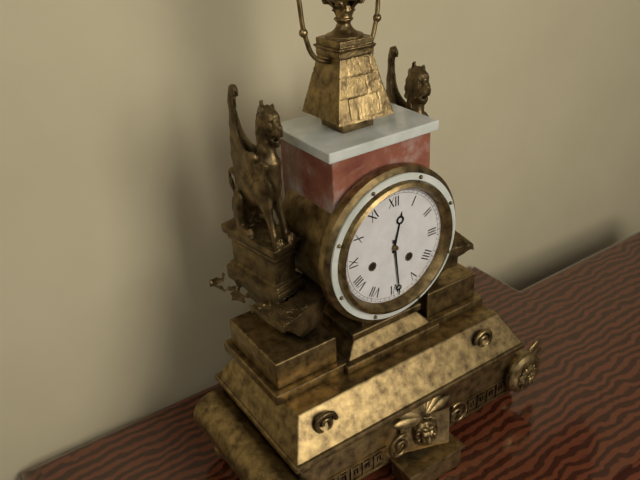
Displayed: 12 h 29 min
